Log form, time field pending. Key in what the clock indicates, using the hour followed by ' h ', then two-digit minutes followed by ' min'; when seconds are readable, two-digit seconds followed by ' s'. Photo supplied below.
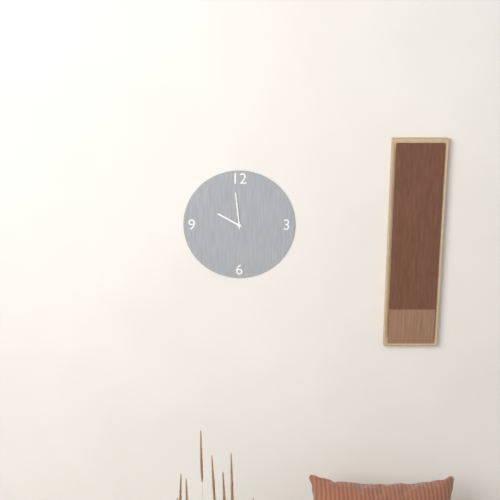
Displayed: 9 h 59 min
